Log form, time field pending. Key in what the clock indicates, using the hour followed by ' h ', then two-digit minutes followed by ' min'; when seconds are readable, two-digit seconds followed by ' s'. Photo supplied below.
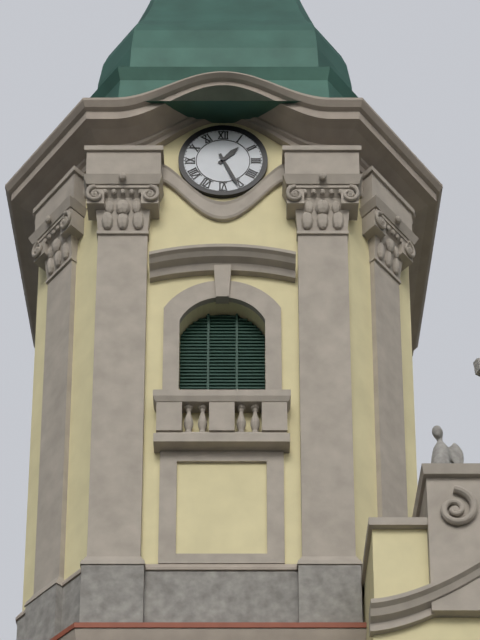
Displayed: 1 h 26 min
